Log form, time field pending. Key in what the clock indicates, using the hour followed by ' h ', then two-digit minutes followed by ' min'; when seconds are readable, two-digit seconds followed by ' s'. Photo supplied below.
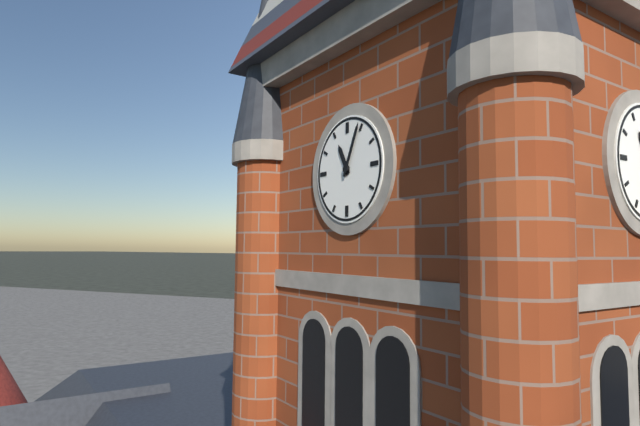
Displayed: 11 h 04 min
